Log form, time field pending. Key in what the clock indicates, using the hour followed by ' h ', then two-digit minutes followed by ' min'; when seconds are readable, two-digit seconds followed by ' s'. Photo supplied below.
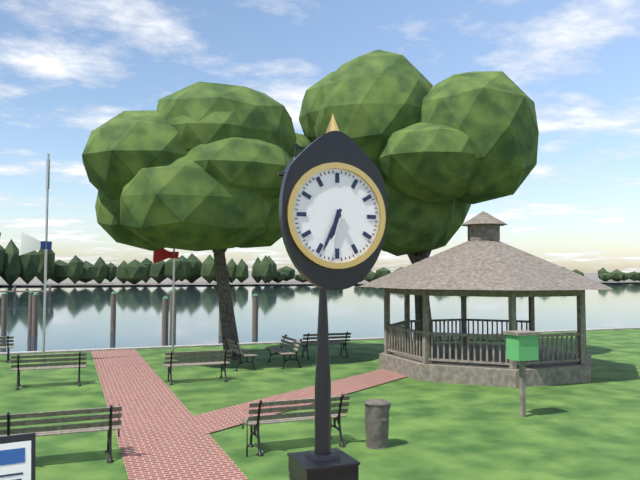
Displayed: 6 h 34 min
